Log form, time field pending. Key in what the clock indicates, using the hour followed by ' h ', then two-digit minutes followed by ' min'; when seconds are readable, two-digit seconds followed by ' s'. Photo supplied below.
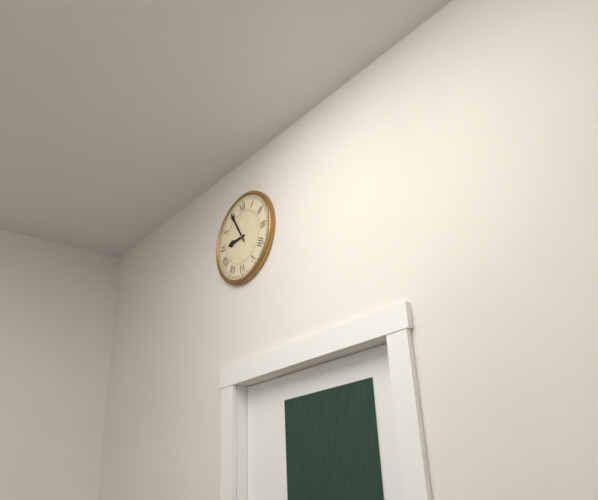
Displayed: 8 h 55 min
